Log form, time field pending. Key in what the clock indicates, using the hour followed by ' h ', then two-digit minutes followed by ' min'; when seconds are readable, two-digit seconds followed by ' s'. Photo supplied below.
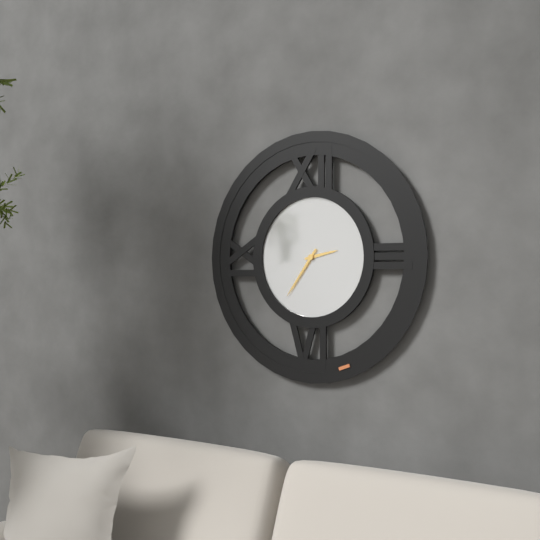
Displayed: 2 h 36 min
